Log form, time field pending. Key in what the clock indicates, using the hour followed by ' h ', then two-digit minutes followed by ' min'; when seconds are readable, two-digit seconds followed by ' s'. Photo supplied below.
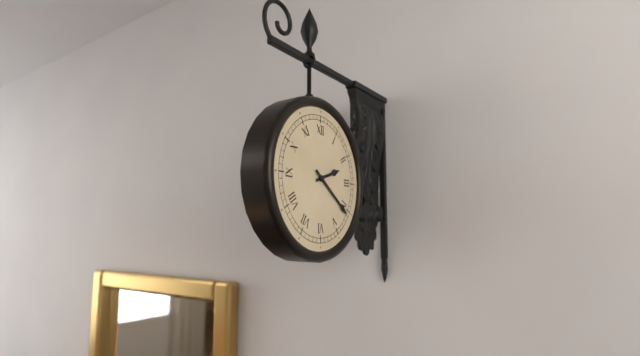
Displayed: 2 h 21 min
